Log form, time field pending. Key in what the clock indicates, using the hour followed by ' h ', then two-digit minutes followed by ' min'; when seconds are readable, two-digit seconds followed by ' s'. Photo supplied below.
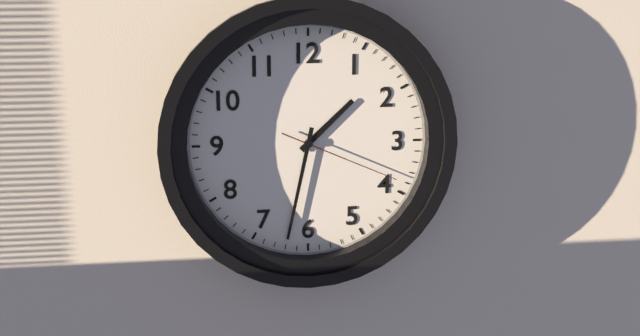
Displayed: 1 h 32 min 19 s
